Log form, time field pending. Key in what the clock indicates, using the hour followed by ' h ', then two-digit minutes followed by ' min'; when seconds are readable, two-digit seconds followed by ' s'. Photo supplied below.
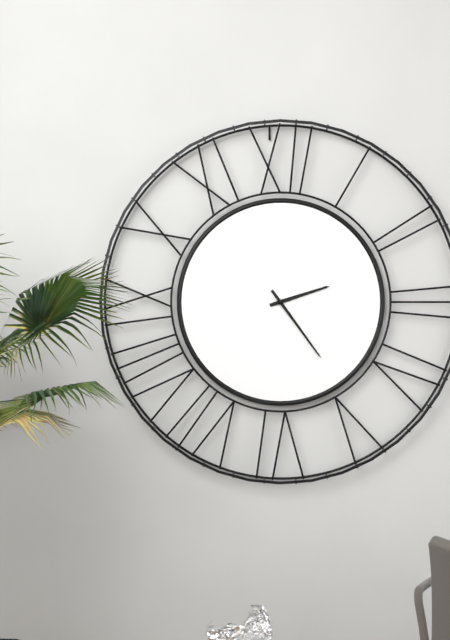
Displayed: 2 h 24 min
